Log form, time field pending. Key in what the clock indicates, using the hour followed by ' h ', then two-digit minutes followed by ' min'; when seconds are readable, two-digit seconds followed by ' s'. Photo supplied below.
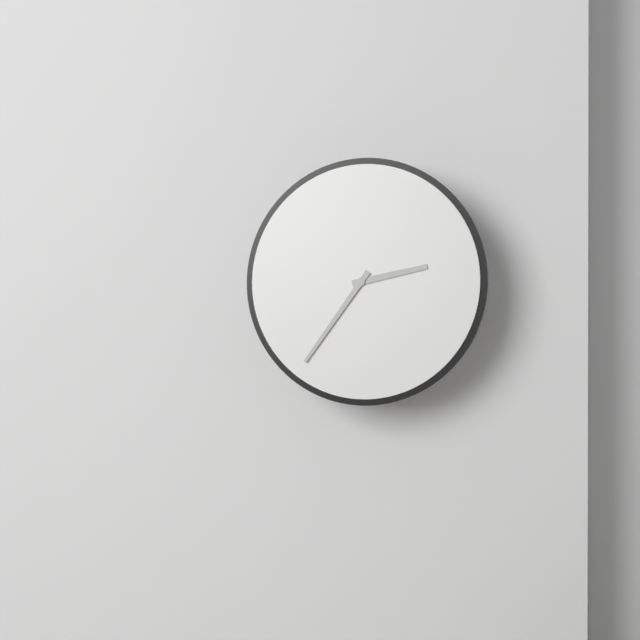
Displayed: 2 h 36 min
